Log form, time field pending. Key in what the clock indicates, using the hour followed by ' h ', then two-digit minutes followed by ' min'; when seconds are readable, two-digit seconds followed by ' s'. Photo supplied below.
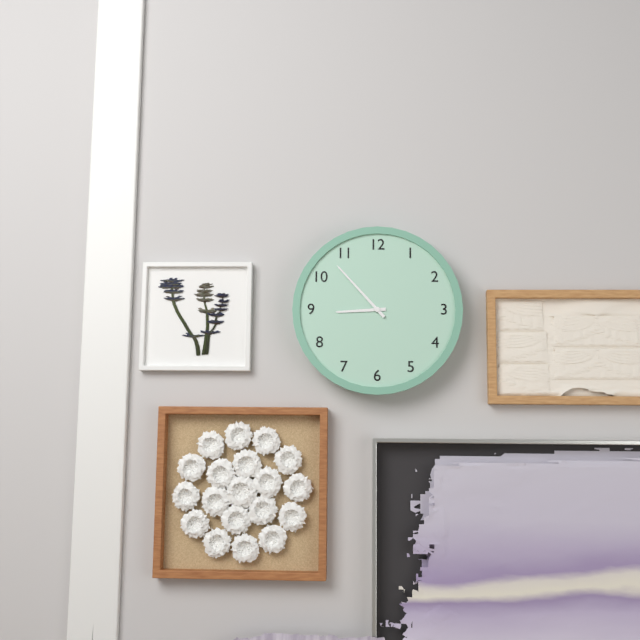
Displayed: 8 h 53 min
